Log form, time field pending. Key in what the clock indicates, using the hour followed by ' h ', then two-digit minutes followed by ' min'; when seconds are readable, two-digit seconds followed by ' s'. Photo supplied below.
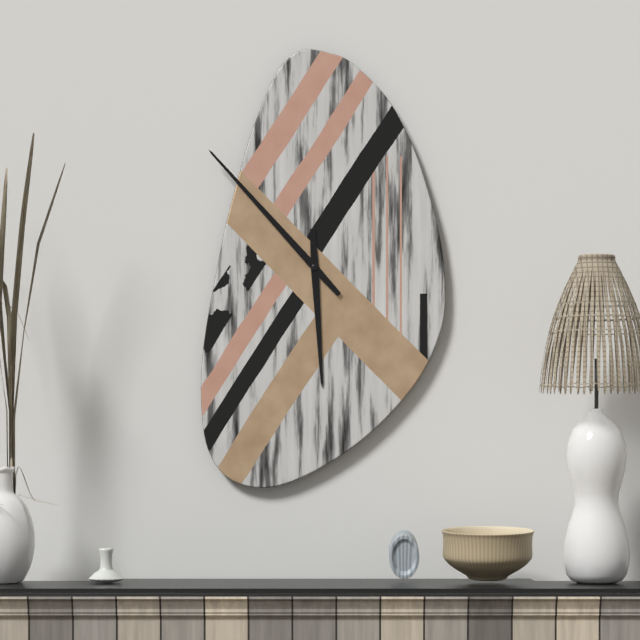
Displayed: 5 h 53 min
